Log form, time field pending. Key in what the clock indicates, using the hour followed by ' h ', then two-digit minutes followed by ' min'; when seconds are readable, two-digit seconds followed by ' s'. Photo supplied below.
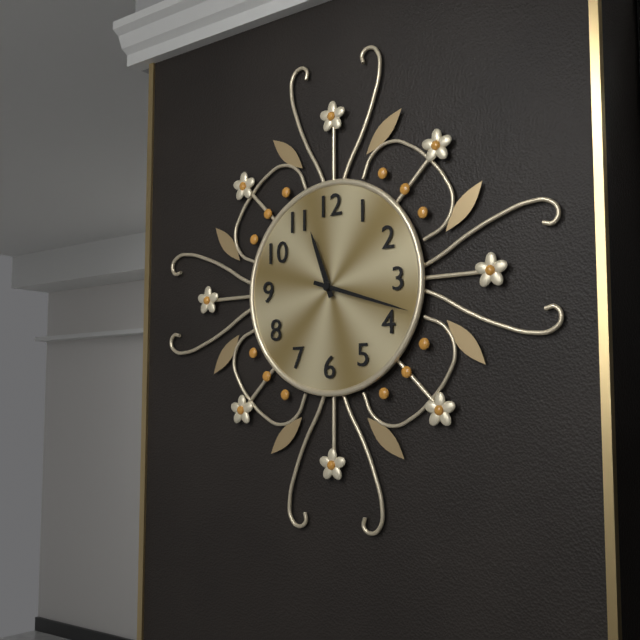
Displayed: 11 h 18 min
